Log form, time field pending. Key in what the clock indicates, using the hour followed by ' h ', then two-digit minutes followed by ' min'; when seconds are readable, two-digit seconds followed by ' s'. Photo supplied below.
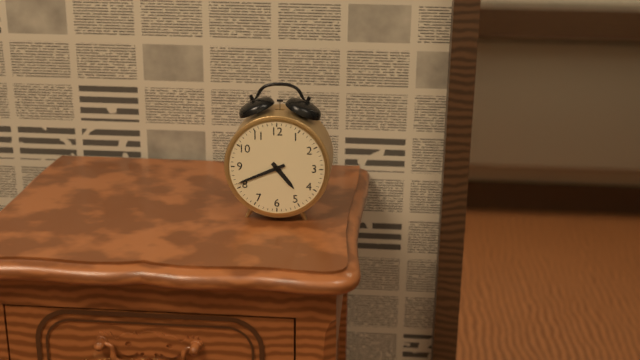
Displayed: 4 h 41 min
